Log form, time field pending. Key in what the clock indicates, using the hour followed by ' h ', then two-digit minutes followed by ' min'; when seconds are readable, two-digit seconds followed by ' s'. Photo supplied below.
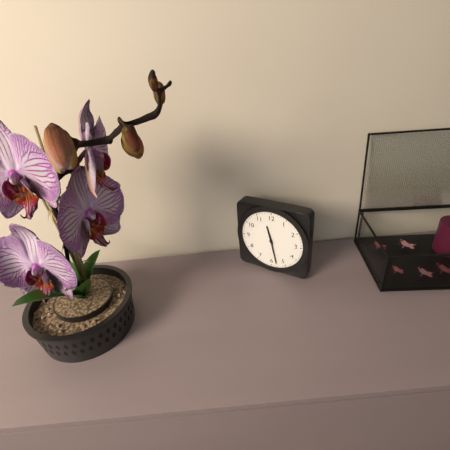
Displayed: 11 h 28 min
